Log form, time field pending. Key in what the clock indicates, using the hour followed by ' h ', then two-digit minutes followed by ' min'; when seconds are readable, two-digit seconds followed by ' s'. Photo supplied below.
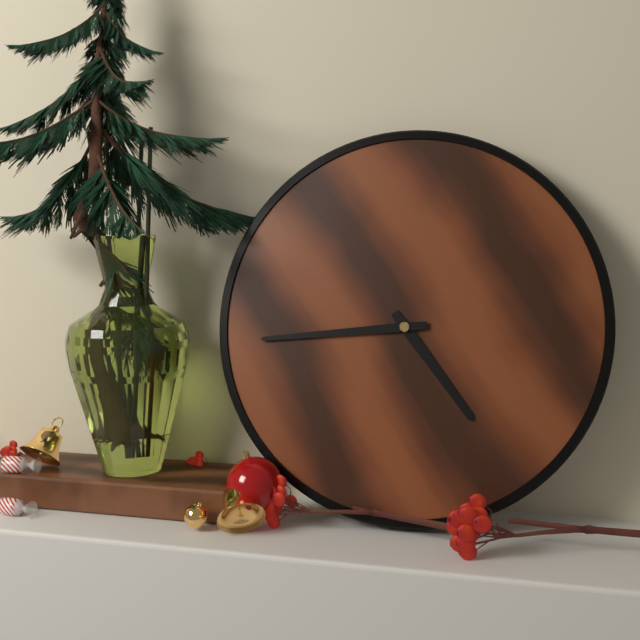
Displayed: 4 h 44 min
